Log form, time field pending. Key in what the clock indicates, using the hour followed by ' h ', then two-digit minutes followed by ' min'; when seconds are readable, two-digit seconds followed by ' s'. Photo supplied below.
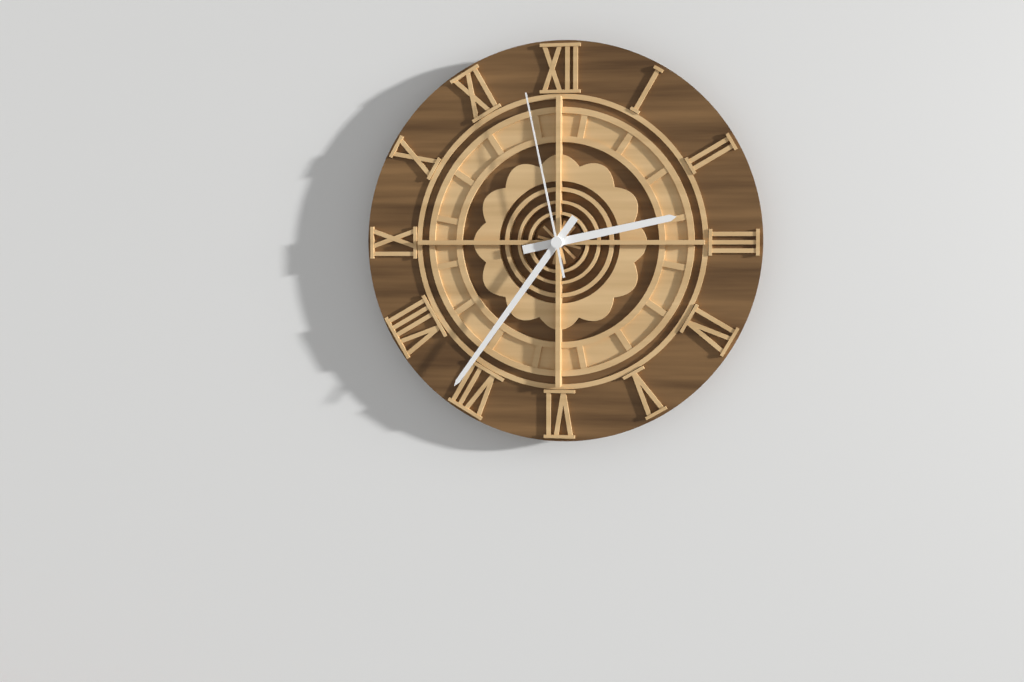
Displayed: 2 h 36 min 58 s
